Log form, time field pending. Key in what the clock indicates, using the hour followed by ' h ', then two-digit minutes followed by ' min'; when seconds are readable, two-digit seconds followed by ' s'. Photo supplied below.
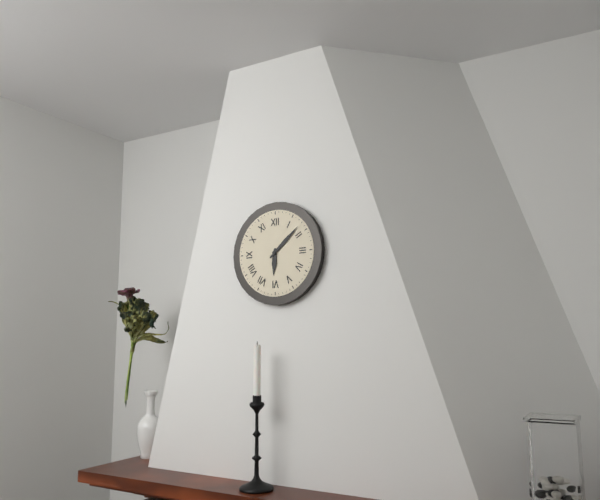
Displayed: 6 h 08 min
